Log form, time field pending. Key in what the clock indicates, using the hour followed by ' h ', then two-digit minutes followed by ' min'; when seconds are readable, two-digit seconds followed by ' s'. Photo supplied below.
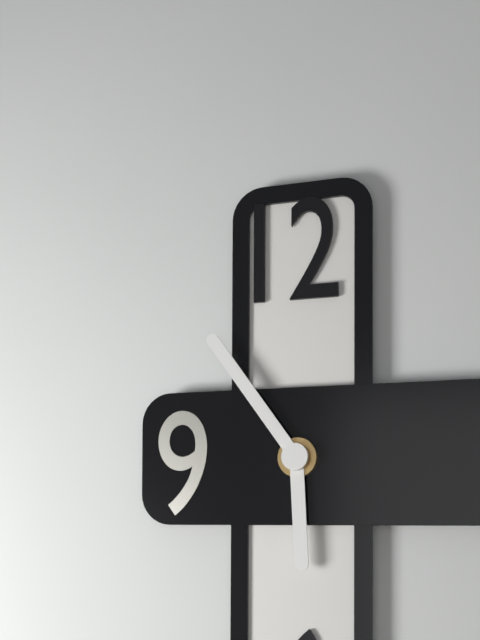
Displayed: 5 h 54 min
